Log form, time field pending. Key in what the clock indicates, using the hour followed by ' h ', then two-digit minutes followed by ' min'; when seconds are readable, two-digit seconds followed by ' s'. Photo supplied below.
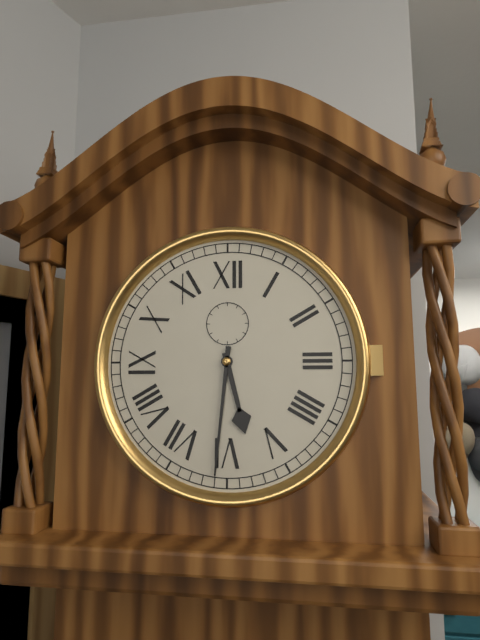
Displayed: 5 h 31 min
